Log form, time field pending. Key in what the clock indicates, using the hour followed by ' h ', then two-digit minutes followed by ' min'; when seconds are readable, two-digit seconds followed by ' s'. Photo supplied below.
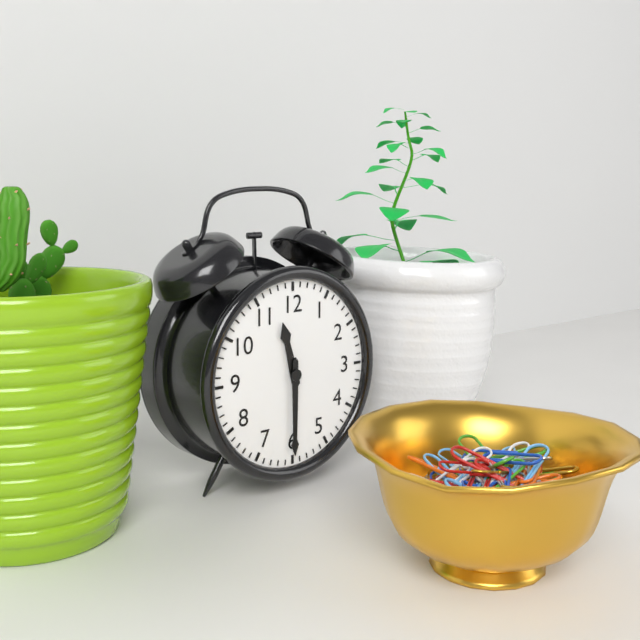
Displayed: 11 h 30 min
